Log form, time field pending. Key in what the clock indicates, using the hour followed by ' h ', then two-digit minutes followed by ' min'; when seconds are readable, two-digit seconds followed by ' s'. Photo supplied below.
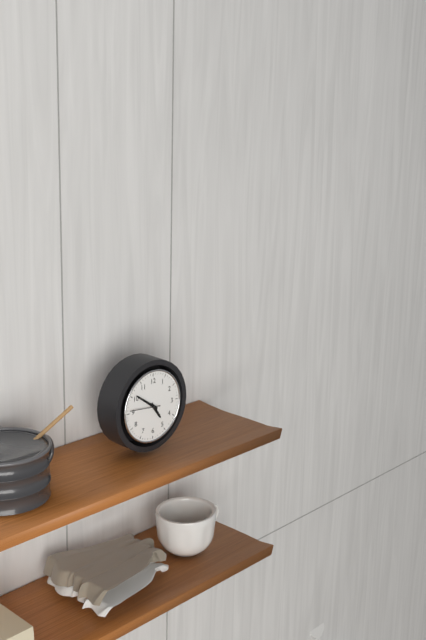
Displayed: 4 h 51 min
